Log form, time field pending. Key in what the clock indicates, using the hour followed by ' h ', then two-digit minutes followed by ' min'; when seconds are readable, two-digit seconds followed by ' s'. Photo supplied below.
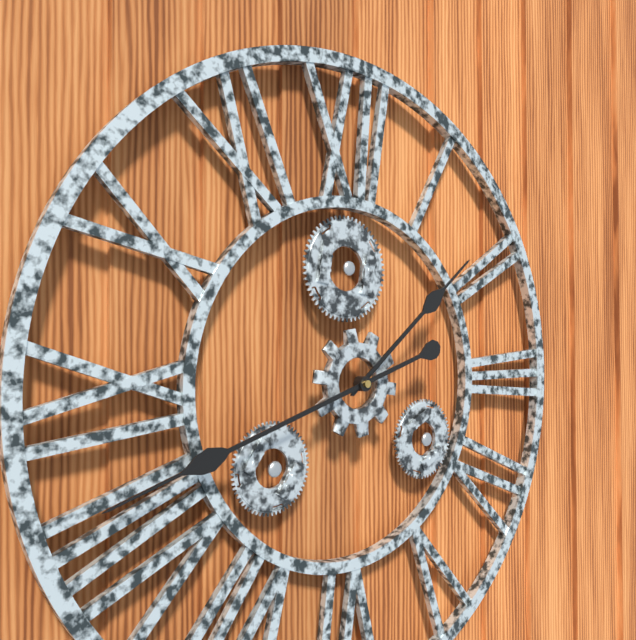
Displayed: 1 h 42 min
